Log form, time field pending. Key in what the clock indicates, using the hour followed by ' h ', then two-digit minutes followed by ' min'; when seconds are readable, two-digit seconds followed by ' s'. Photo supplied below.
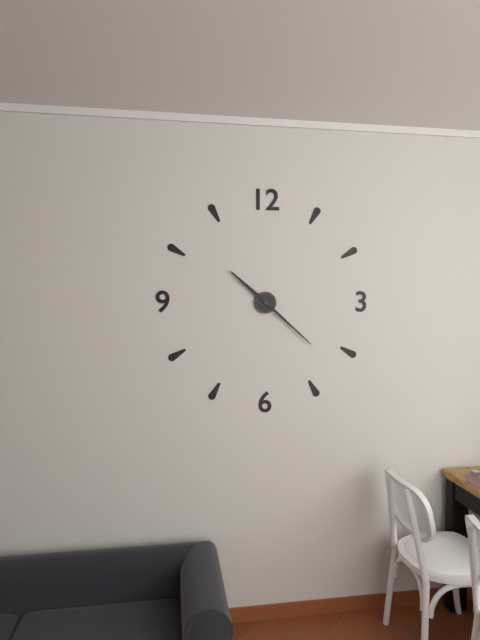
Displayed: 10 h 22 min
